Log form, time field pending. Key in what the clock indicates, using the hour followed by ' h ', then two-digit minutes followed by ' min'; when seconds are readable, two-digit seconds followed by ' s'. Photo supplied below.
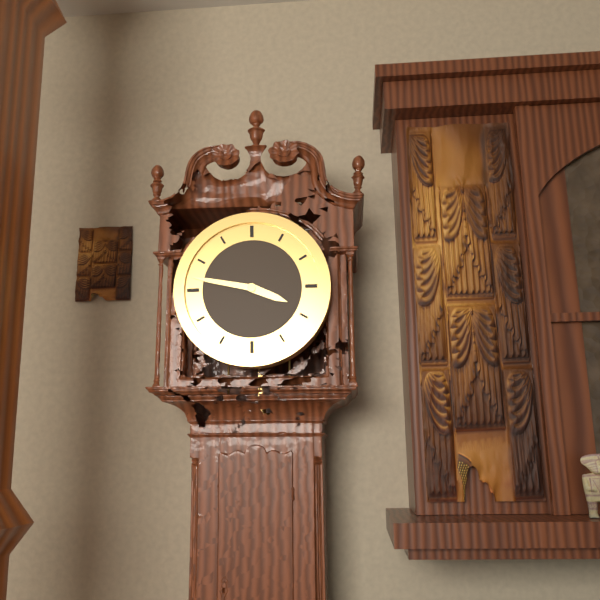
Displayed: 3 h 47 min
